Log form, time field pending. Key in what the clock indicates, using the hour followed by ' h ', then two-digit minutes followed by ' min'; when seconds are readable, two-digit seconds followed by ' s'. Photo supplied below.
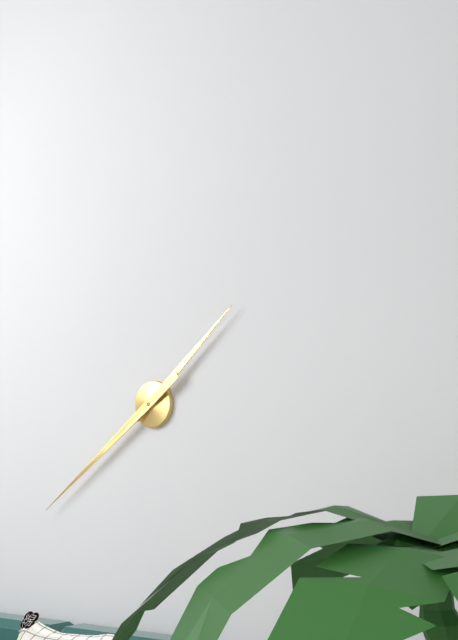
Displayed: 1 h 39 min
